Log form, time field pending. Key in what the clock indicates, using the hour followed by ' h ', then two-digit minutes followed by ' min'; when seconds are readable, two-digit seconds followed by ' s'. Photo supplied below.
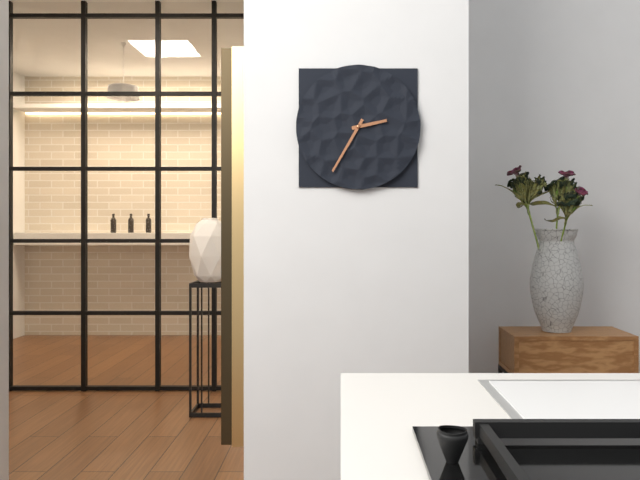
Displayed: 2 h 35 min
